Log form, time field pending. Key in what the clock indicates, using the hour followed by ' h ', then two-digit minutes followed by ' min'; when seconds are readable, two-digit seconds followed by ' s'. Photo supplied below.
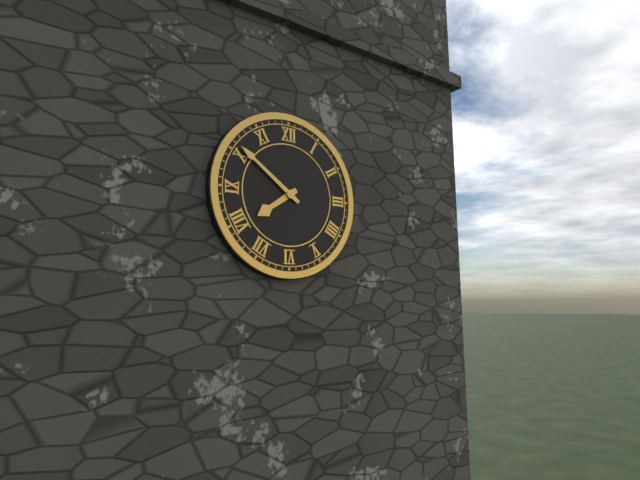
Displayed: 7 h 51 min
